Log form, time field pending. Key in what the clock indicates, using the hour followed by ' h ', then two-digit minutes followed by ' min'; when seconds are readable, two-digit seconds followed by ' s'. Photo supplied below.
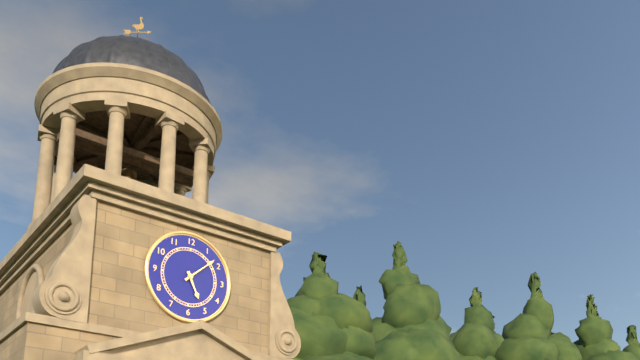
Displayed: 5 h 08 min
